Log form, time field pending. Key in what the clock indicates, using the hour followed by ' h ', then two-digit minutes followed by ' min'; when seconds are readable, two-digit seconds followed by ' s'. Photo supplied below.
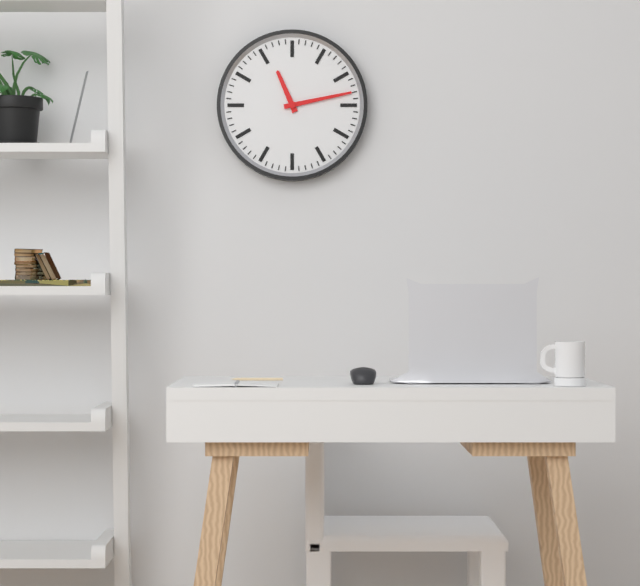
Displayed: 11 h 13 min
